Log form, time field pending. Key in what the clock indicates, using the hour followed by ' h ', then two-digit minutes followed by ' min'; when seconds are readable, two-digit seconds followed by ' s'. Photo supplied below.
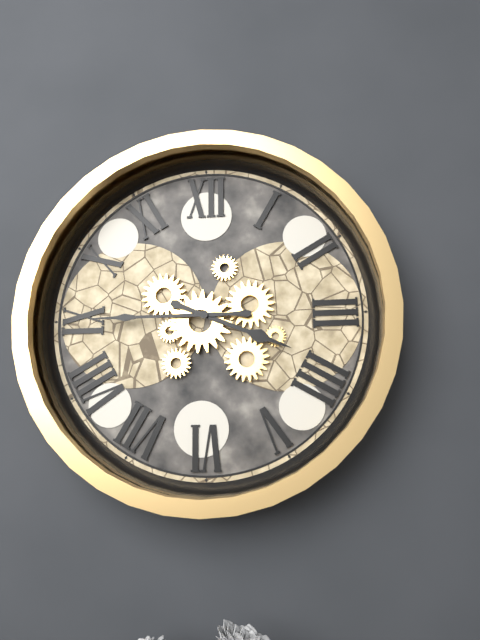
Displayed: 3 h 45 min
